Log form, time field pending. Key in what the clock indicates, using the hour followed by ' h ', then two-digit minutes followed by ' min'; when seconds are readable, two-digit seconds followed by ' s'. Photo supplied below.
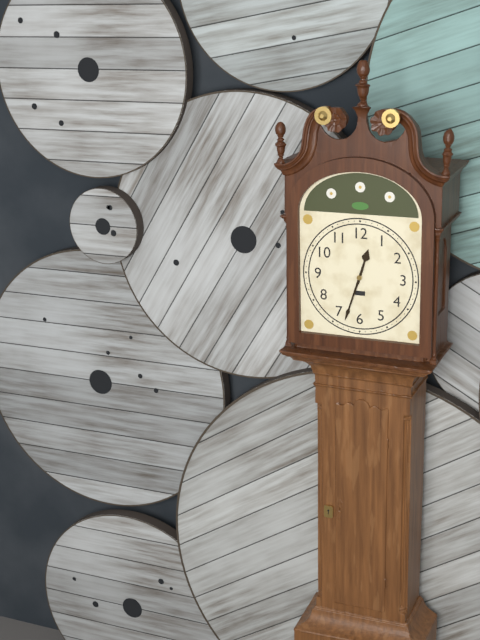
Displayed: 12 h 33 min
